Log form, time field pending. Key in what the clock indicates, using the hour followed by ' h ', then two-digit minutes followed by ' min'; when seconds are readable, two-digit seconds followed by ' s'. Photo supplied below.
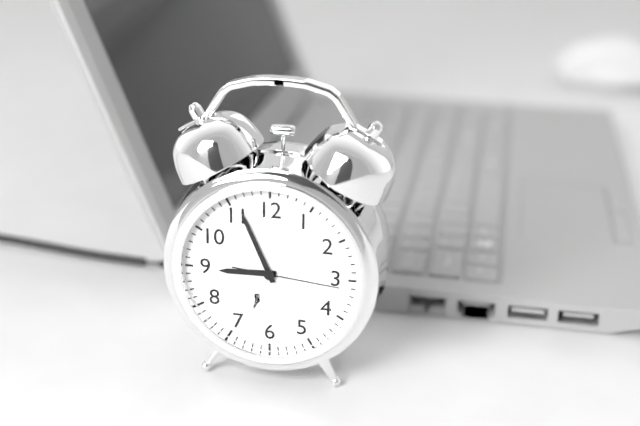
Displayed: 8 h 56 min 16 s
